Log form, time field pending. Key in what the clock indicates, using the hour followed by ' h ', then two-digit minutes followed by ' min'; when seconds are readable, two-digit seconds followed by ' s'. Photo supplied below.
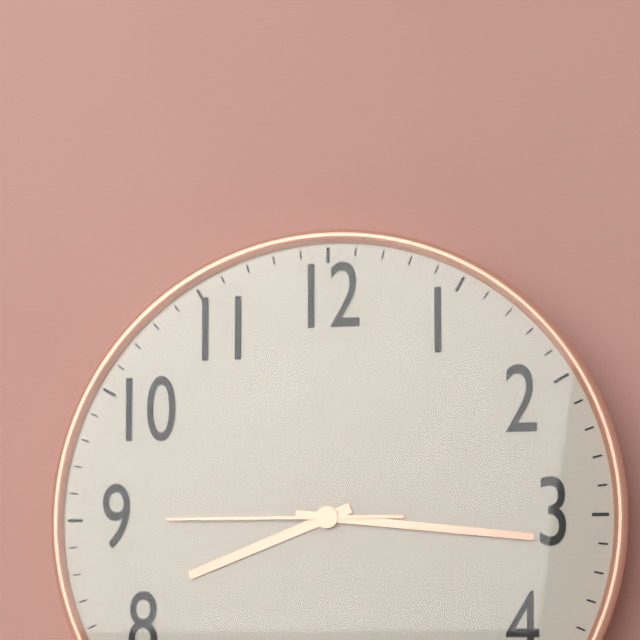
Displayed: 8 h 16 min 45 s
